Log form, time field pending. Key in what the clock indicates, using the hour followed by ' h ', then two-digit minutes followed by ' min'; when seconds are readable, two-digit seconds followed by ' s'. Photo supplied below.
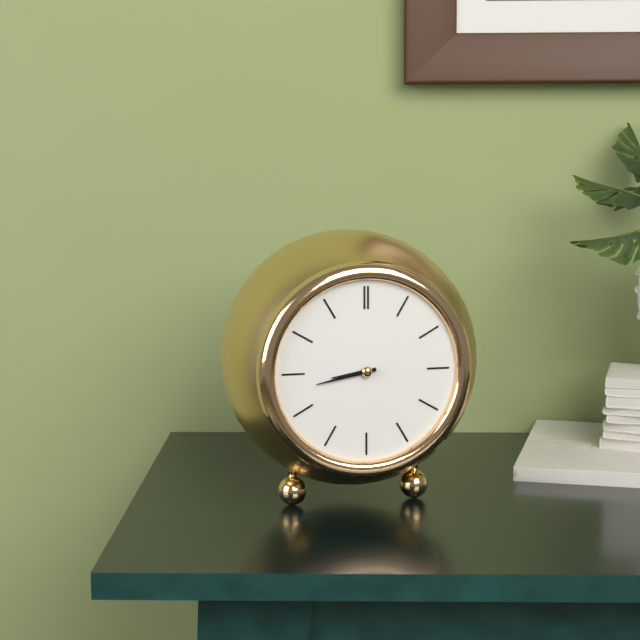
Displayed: 8 h 43 min
